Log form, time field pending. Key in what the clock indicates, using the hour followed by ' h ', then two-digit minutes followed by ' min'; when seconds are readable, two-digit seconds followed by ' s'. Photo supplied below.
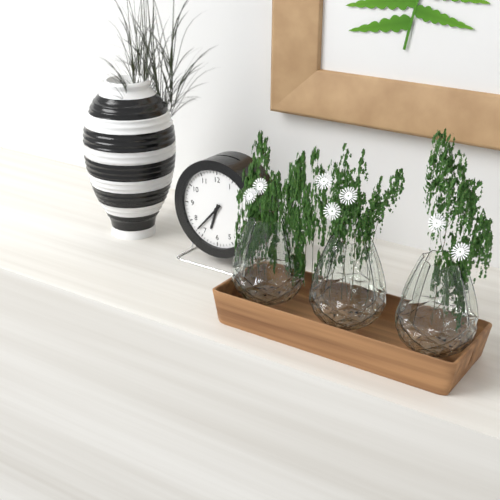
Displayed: 6 h 37 min
